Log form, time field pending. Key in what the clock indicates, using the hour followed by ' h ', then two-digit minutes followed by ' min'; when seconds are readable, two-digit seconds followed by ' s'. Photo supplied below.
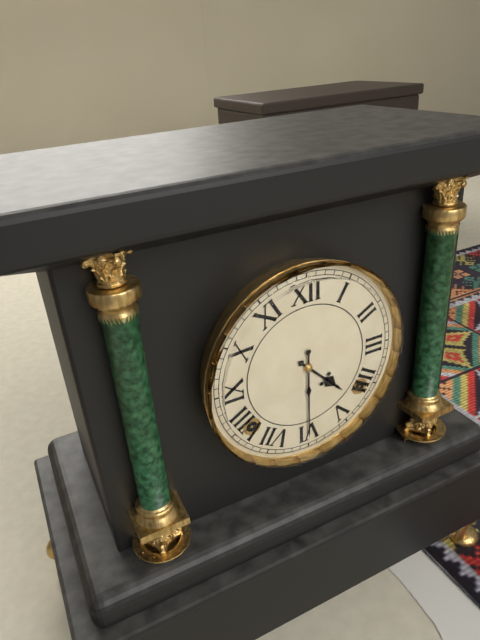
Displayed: 4 h 30 min
